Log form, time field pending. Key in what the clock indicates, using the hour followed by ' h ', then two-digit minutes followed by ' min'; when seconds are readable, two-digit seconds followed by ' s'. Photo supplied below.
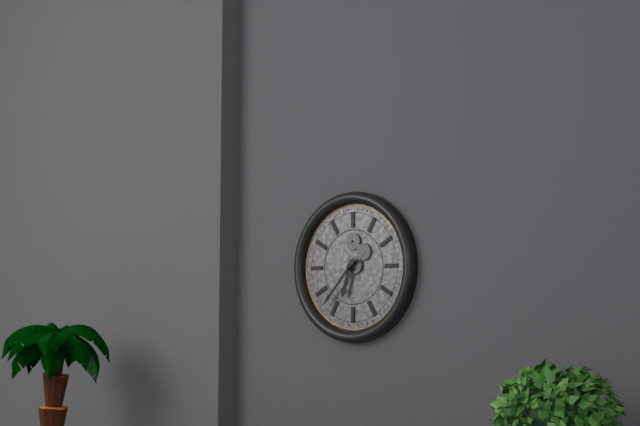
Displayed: 6 h 37 min
